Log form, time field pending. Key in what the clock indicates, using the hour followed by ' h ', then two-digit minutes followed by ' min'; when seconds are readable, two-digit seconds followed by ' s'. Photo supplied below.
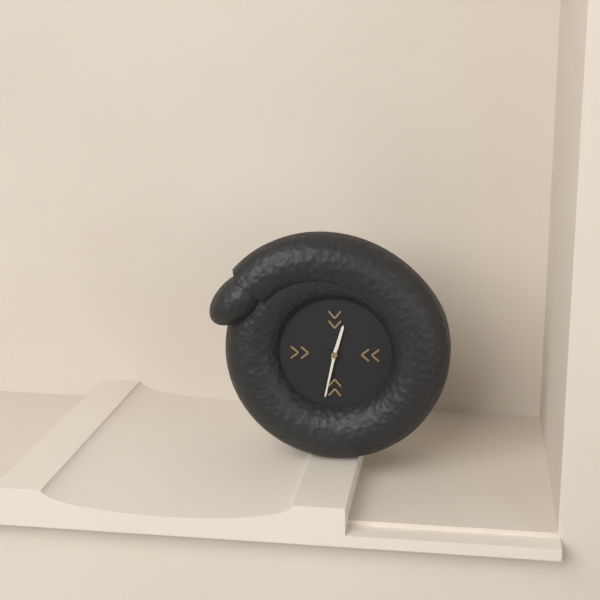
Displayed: 12 h 32 min
